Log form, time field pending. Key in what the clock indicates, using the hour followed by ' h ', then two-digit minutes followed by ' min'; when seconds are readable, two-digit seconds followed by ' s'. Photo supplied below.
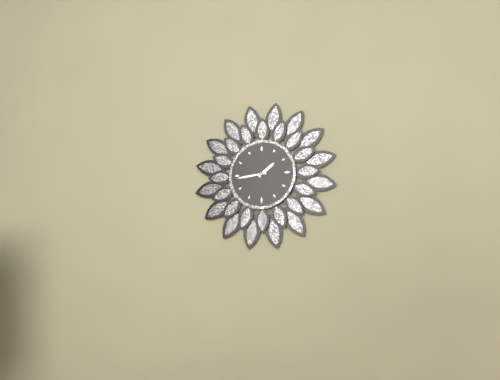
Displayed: 1 h 44 min
